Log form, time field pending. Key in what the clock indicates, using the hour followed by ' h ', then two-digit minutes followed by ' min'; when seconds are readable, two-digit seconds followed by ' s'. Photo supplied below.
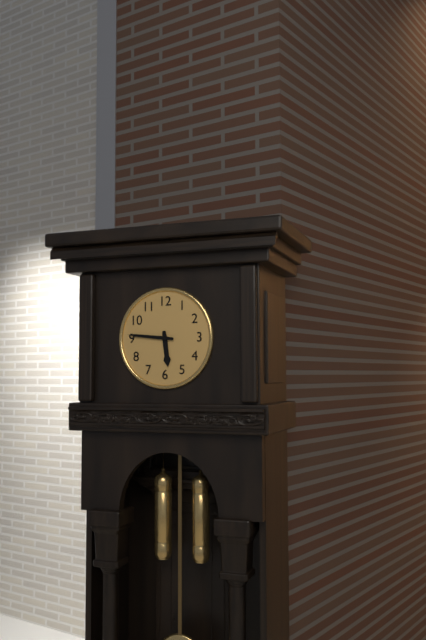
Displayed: 5 h 46 min
